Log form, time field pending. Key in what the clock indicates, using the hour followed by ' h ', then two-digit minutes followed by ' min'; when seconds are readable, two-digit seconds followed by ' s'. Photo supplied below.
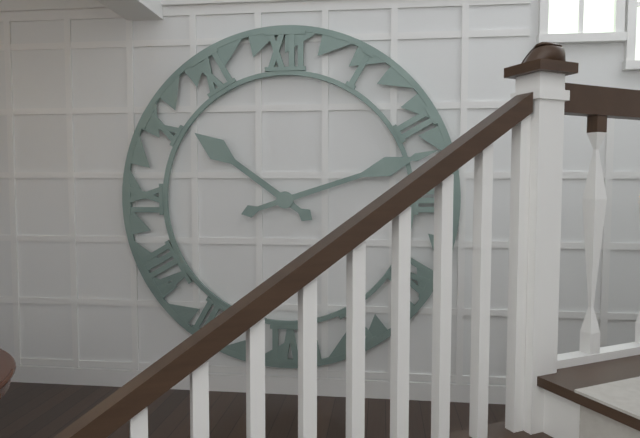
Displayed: 10 h 12 min
